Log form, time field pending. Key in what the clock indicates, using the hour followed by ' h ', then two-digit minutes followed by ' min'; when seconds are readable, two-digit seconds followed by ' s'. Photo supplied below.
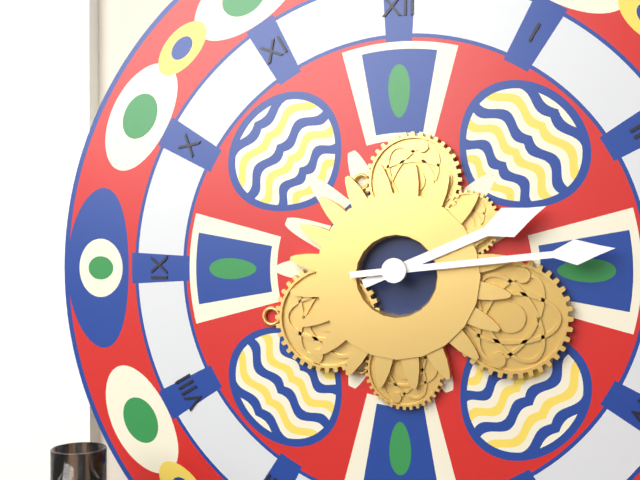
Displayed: 2 h 14 min
